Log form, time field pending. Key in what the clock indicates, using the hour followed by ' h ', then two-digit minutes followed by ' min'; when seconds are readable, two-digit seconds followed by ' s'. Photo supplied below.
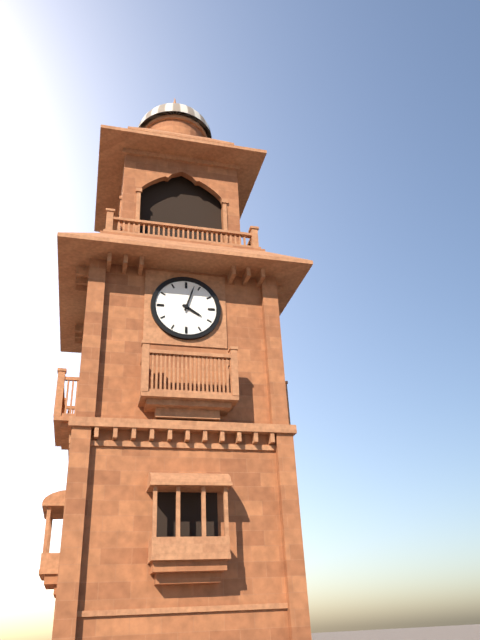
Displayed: 4 h 03 min
